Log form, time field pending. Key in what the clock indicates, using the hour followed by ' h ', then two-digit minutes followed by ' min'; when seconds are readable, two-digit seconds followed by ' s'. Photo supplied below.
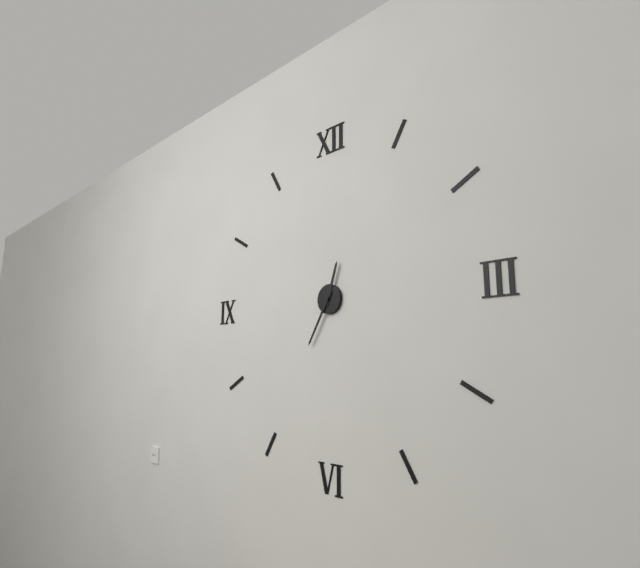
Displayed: 12 h 35 min
